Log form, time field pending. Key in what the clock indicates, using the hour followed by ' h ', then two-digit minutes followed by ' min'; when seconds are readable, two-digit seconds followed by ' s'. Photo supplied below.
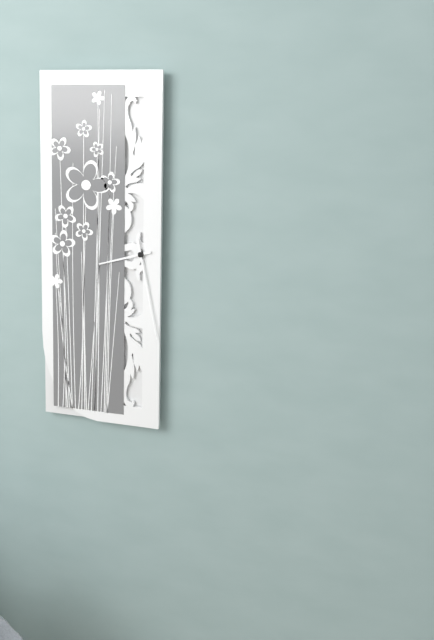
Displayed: 8 h 28 min
